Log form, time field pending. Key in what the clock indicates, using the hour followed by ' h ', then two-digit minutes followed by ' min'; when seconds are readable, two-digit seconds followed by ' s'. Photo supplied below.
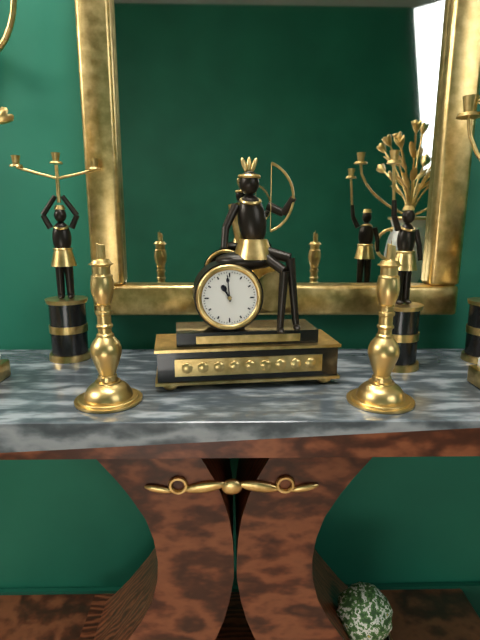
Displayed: 10 h 59 min
